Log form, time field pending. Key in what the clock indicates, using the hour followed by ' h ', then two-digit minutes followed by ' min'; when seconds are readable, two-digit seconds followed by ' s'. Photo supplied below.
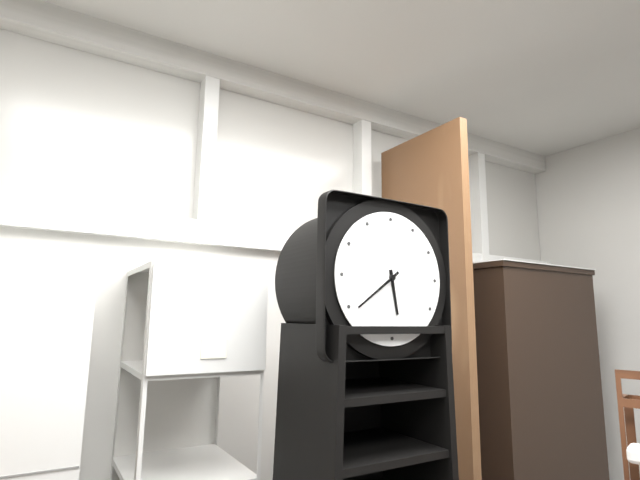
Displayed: 5 h 39 min
